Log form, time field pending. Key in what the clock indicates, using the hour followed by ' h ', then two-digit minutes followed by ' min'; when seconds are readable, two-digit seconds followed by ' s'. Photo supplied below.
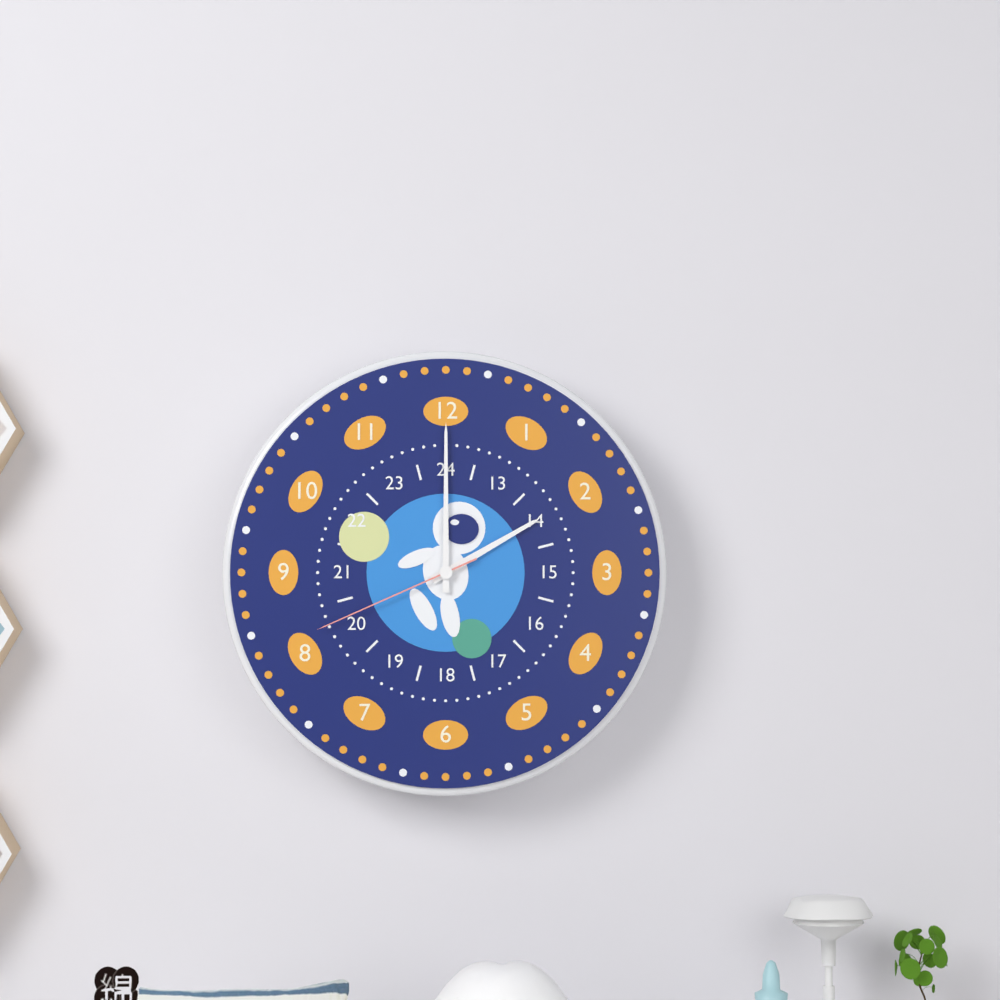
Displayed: 2 h 00 min 41 s
